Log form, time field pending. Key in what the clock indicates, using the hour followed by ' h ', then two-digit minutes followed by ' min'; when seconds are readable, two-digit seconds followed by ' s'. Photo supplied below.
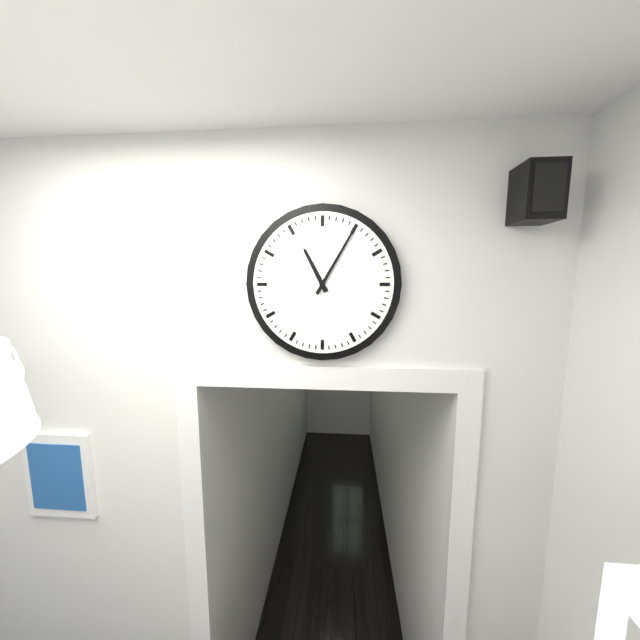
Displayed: 11 h 05 min
